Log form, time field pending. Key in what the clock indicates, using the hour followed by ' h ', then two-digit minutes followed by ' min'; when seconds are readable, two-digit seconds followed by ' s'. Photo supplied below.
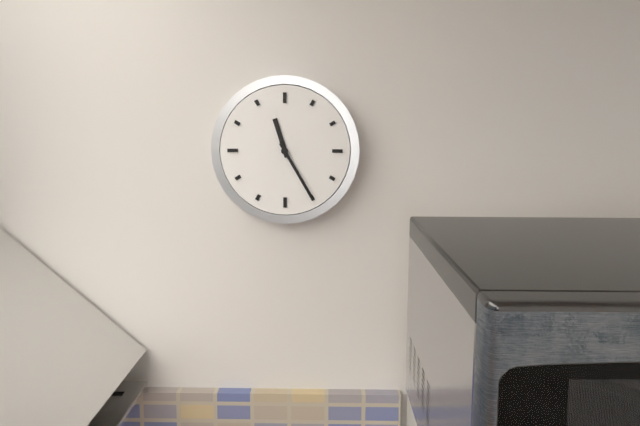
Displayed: 11 h 25 min
